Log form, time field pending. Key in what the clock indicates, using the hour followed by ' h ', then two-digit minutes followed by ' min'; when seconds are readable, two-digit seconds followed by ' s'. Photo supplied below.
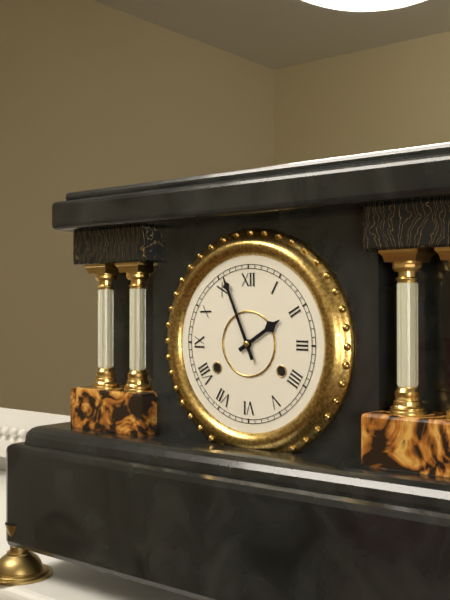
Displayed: 1 h 56 min
